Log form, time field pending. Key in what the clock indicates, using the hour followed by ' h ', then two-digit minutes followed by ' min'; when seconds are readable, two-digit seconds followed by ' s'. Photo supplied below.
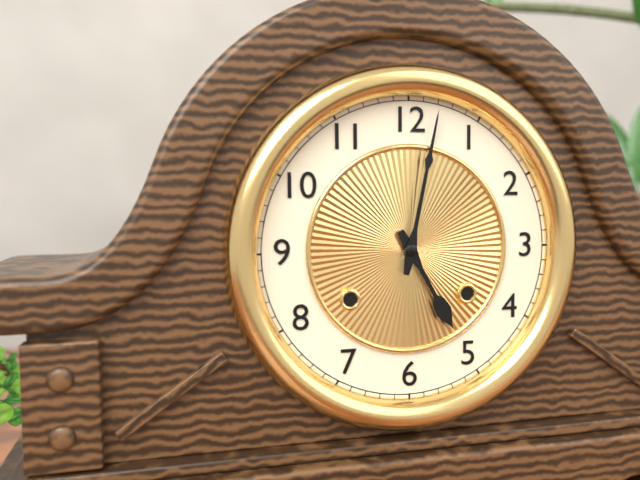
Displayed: 5 h 02 min
